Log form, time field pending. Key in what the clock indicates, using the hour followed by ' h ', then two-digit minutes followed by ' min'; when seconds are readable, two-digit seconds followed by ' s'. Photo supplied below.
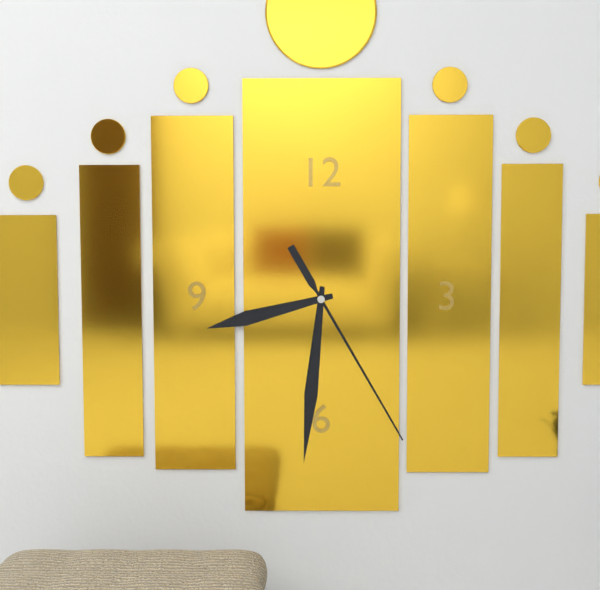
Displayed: 8 h 31 min 25 s
